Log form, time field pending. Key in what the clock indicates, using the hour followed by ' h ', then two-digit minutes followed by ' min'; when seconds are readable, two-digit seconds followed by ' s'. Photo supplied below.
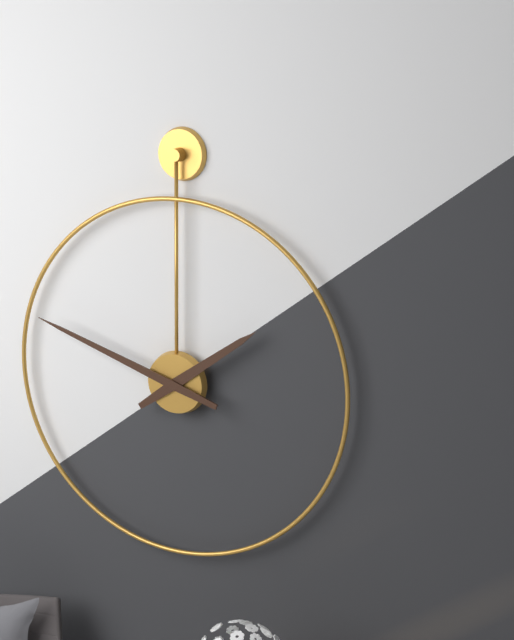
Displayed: 1 h 48 min
